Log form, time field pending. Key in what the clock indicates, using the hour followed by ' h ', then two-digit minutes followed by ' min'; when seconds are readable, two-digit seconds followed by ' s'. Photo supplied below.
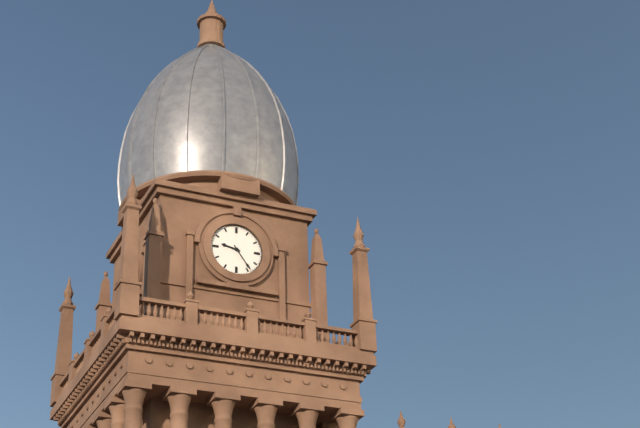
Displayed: 9 h 24 min
